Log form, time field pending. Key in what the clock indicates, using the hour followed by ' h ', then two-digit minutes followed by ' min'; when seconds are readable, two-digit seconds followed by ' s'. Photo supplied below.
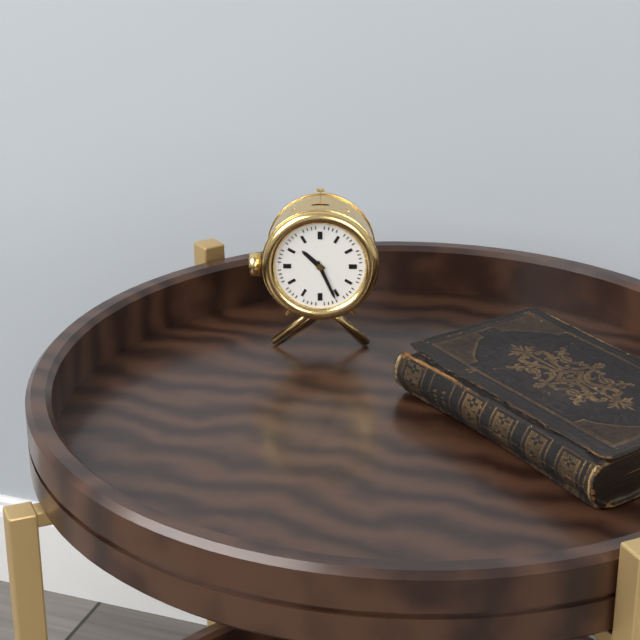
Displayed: 10 h 26 min
